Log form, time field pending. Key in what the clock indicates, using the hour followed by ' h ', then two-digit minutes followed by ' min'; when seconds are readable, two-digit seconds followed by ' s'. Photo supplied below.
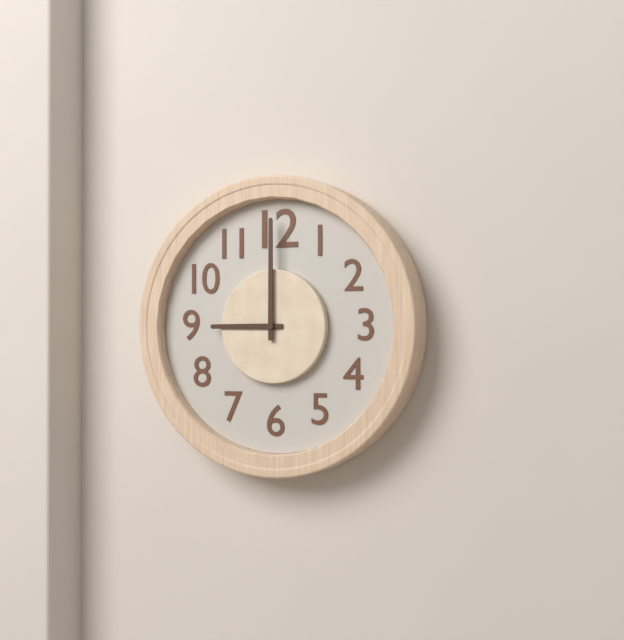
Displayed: 9 h 00 min
